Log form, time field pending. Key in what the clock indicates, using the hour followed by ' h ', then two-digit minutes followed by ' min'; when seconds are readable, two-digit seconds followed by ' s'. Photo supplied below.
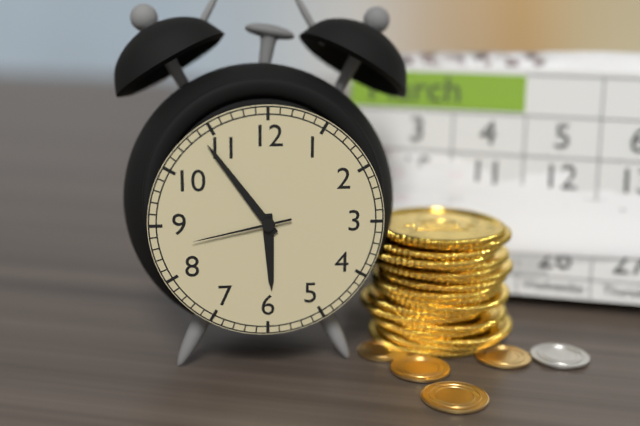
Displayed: 5 h 54 min 43 s
